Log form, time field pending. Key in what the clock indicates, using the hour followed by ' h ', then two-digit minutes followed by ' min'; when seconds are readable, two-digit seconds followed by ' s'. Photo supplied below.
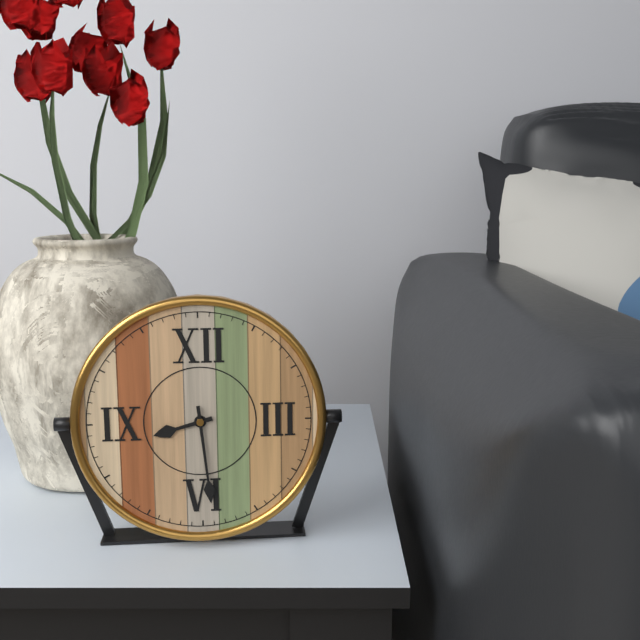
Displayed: 8 h 29 min
